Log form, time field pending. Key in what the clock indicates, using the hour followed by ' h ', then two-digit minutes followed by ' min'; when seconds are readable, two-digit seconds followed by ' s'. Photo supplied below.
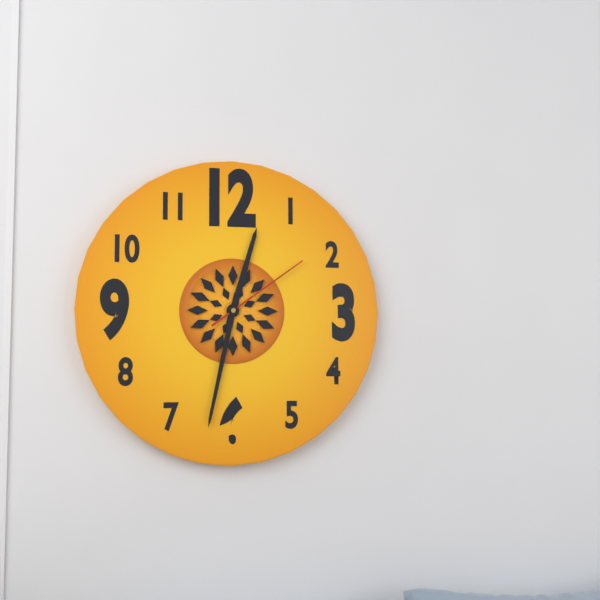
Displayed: 12 h 32 min 09 s
